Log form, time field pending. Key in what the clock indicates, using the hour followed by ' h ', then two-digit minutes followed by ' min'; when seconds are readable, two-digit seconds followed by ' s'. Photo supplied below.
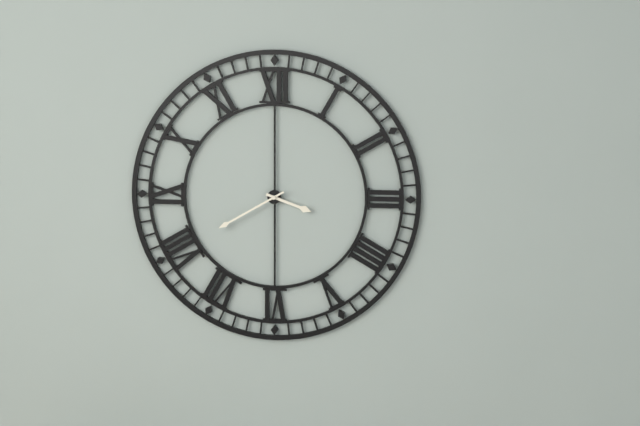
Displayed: 3 h 40 min
